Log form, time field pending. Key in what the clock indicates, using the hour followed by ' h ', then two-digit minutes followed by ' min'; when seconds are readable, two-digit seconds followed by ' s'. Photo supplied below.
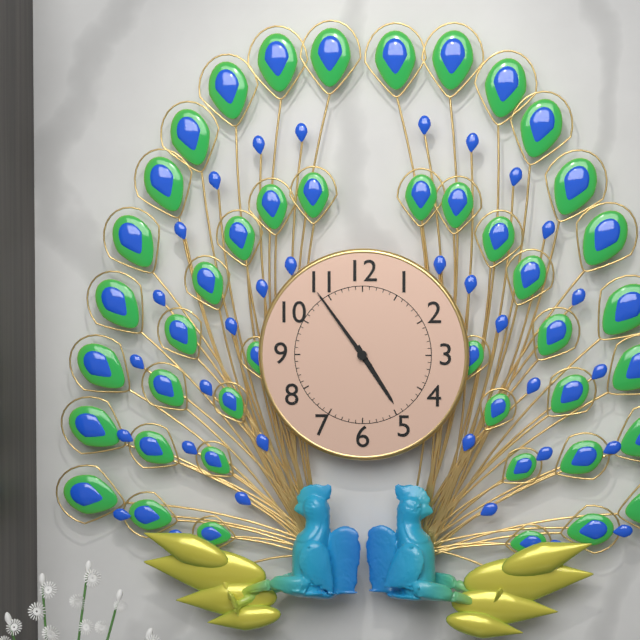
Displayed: 4 h 54 min
